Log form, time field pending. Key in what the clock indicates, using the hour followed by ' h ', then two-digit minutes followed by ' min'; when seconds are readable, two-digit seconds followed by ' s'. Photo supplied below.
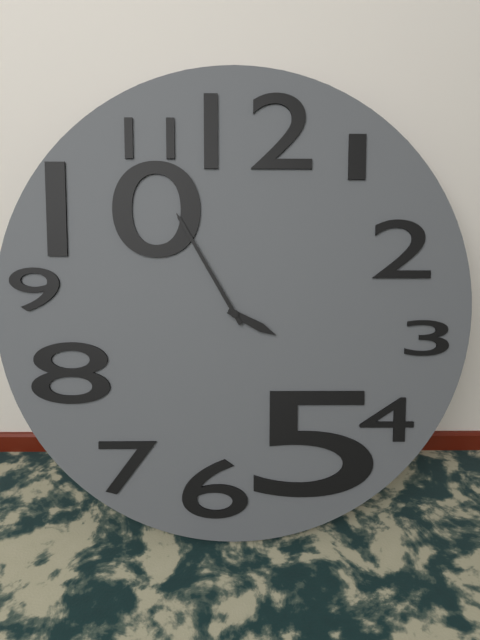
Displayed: 3 h 55 min
